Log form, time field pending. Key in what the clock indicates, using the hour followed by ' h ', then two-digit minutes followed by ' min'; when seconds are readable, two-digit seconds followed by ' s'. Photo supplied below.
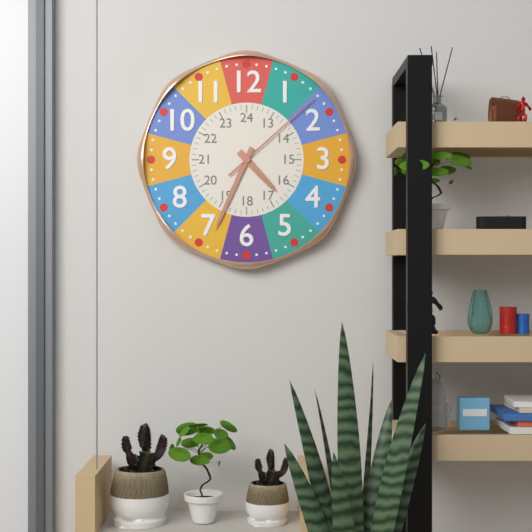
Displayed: 4 h 34 min 08 s
